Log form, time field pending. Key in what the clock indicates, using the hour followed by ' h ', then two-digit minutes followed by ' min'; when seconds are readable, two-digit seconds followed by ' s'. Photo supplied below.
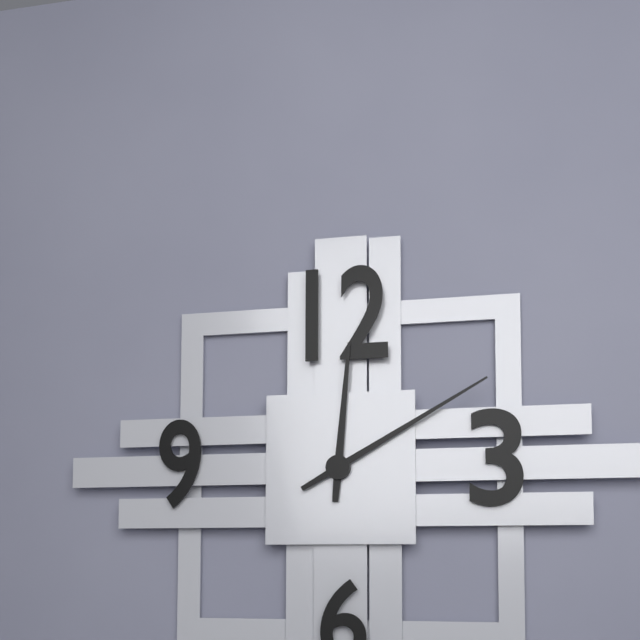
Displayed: 12 h 10 min
